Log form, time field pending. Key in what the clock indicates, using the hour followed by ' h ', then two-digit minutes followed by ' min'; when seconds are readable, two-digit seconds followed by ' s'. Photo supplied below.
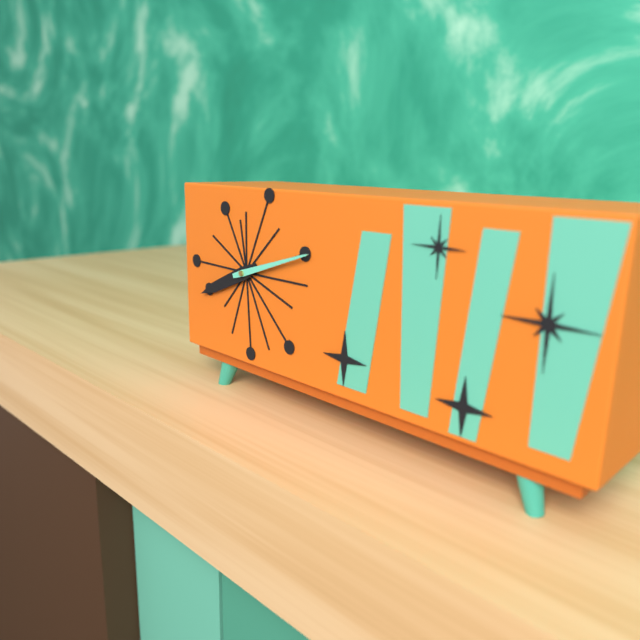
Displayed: 8 h 12 min
